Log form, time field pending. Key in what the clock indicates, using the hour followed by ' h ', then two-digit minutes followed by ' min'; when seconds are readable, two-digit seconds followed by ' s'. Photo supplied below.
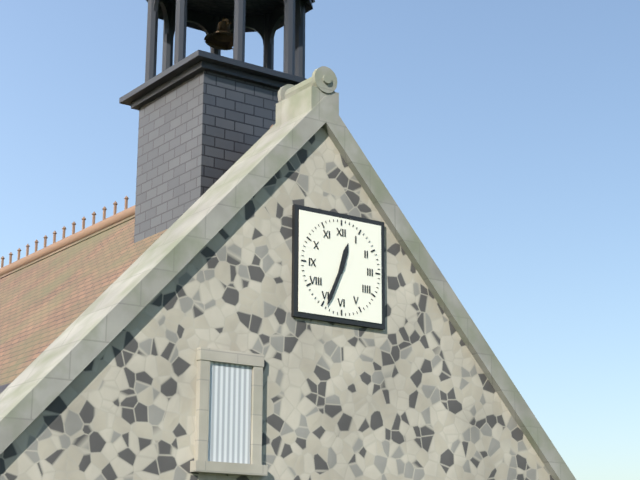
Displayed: 12 h 34 min
